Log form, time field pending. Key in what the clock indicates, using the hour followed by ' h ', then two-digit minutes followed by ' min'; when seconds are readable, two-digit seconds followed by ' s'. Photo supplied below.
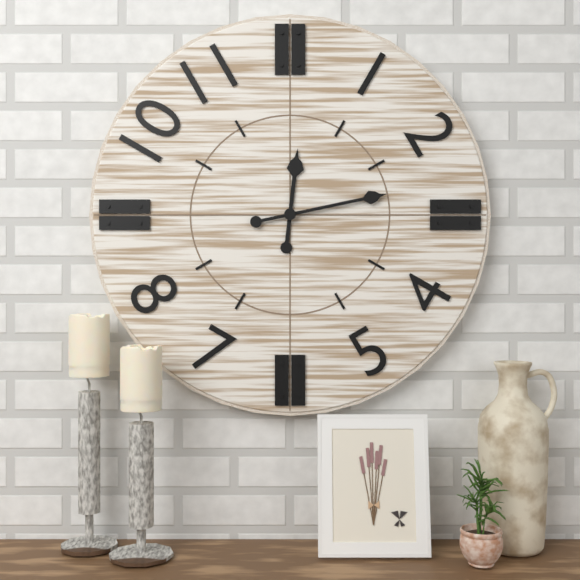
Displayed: 12 h 13 min
